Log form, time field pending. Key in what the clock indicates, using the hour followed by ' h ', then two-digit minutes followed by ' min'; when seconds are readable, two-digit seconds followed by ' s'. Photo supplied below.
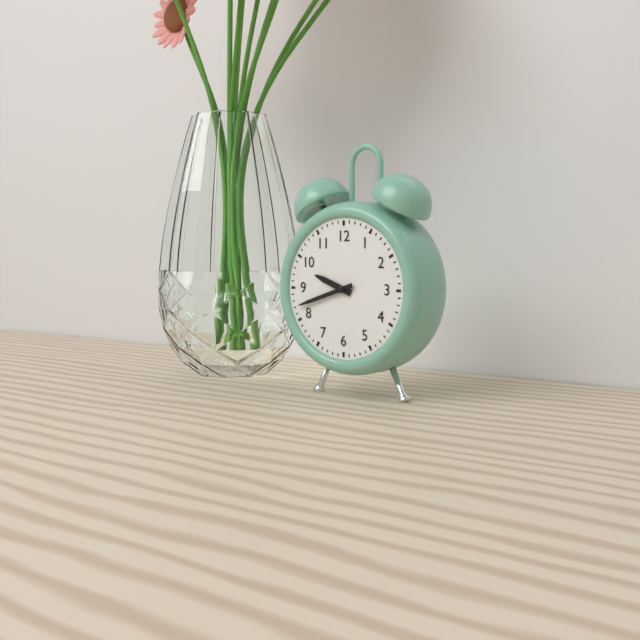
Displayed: 9 h 42 min
